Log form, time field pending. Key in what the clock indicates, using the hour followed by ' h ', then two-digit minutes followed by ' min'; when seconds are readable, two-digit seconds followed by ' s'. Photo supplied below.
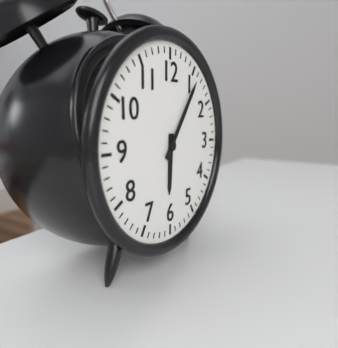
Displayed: 6 h 06 min
